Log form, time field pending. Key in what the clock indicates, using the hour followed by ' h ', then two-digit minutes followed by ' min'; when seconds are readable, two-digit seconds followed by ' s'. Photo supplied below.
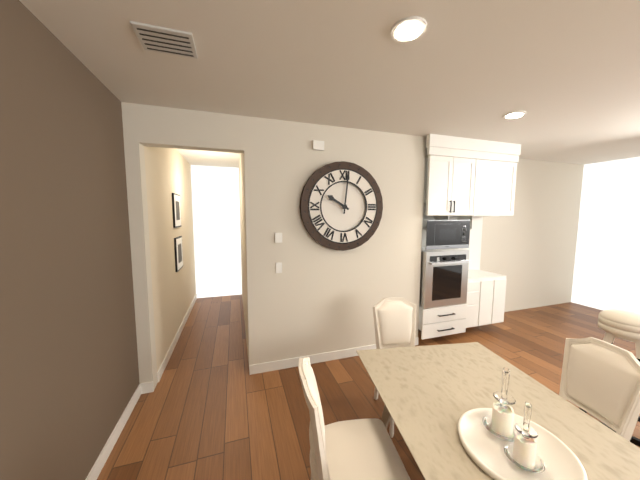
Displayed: 10 h 01 min
